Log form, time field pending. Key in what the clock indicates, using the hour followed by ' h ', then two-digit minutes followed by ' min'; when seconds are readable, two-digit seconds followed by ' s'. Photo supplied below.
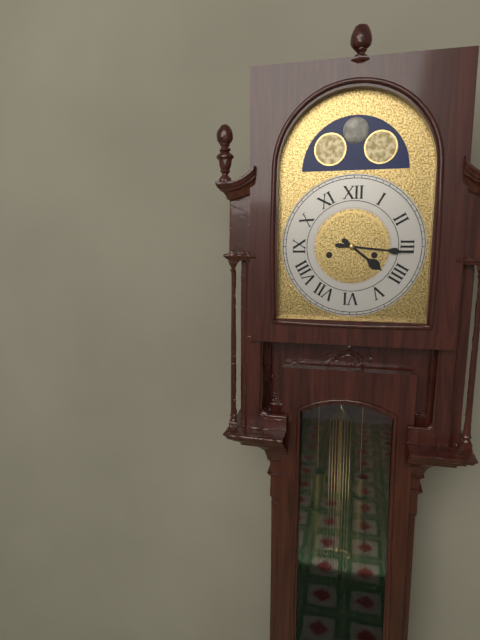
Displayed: 4 h 16 min
